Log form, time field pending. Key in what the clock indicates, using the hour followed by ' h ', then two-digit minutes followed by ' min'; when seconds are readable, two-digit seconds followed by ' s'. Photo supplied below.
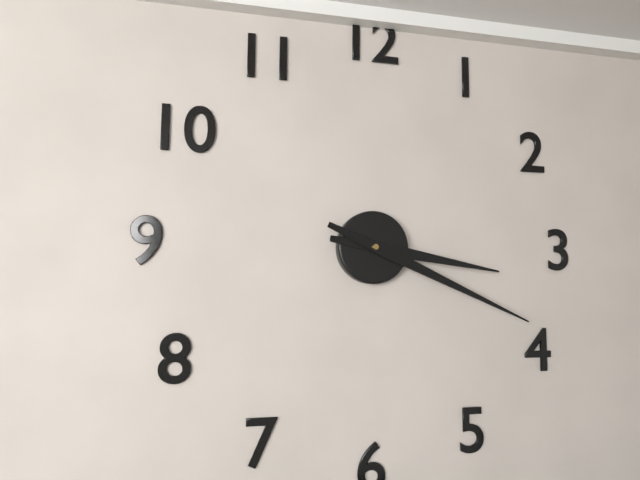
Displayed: 3 h 19 min
